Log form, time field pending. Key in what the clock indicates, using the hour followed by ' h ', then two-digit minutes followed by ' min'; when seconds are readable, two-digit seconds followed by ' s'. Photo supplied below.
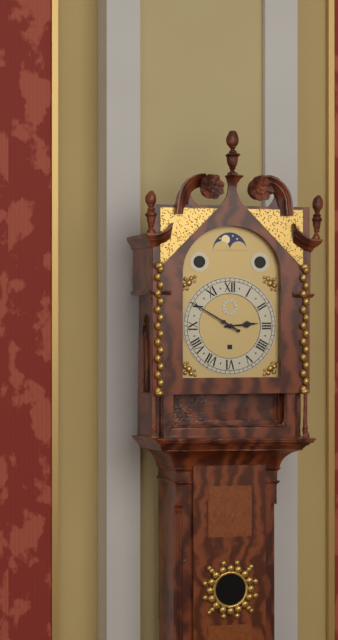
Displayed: 2 h 50 min
